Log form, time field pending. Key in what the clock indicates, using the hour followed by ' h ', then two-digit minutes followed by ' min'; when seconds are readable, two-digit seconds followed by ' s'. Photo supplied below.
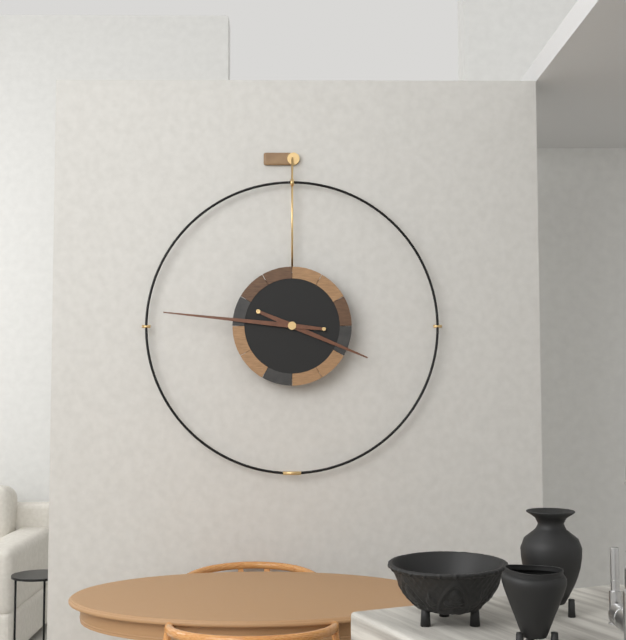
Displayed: 3 h 46 min
